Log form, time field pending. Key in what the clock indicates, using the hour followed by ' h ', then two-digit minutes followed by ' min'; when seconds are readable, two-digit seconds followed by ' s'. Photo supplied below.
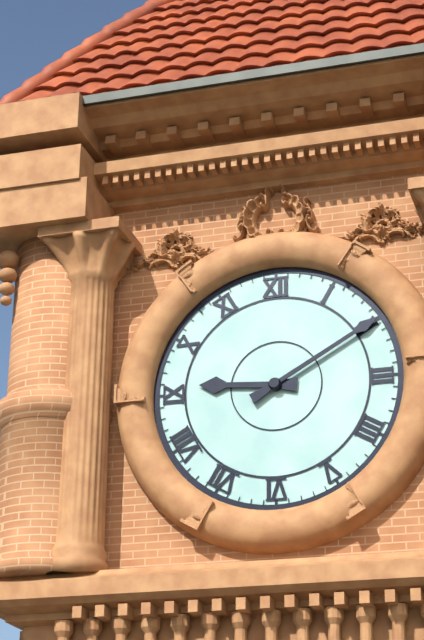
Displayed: 9 h 10 min
